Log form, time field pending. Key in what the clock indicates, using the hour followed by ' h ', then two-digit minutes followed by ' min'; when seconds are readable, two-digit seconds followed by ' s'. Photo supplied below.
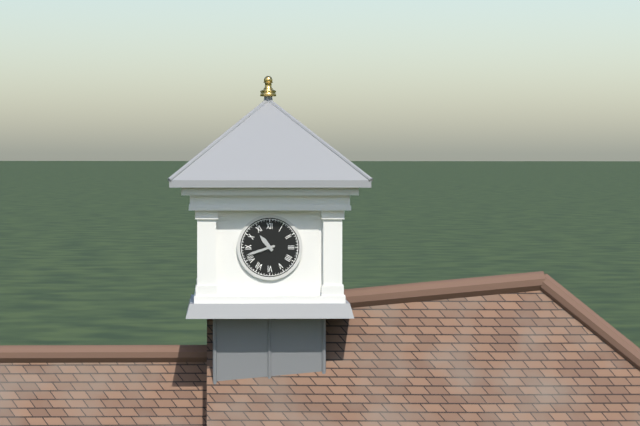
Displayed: 10 h 42 min
